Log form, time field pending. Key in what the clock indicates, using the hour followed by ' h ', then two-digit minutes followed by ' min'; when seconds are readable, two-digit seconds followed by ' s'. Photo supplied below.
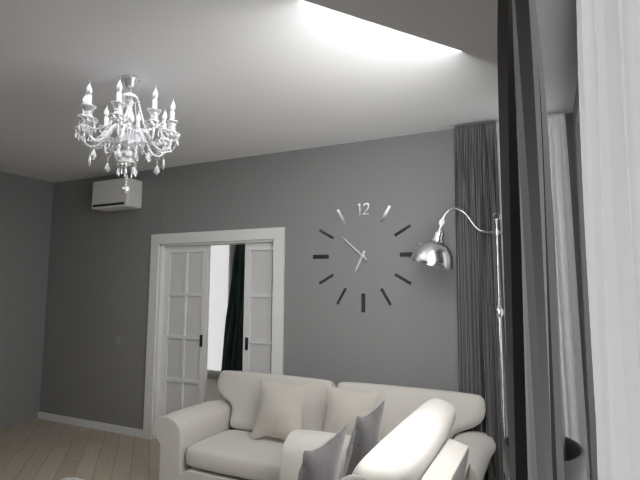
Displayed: 6 h 52 min
